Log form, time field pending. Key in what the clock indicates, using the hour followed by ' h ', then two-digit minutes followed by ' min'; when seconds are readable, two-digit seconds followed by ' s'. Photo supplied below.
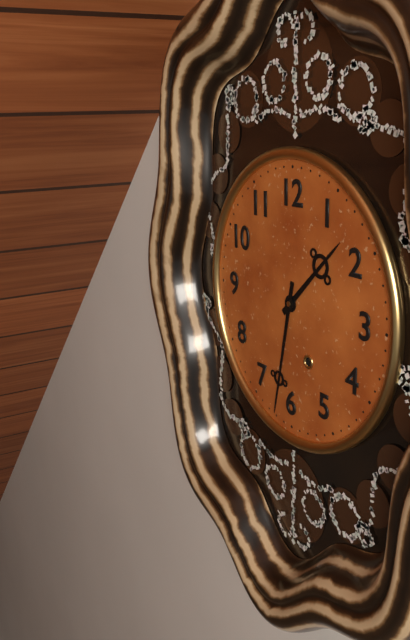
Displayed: 1 h 32 min
